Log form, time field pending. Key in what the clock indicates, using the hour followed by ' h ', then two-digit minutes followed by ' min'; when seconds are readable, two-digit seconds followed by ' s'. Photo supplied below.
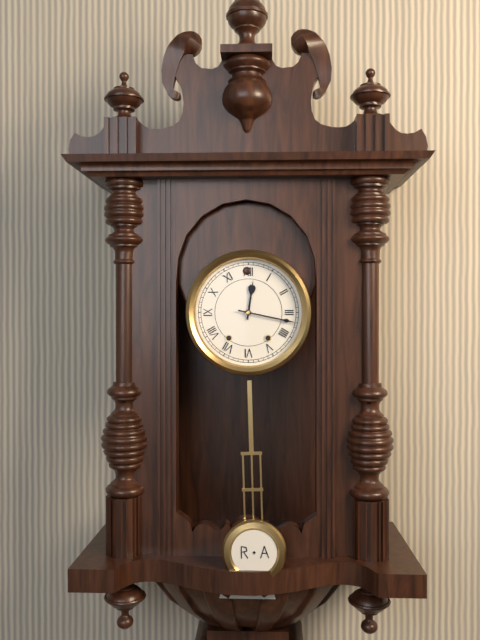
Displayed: 12 h 17 min
